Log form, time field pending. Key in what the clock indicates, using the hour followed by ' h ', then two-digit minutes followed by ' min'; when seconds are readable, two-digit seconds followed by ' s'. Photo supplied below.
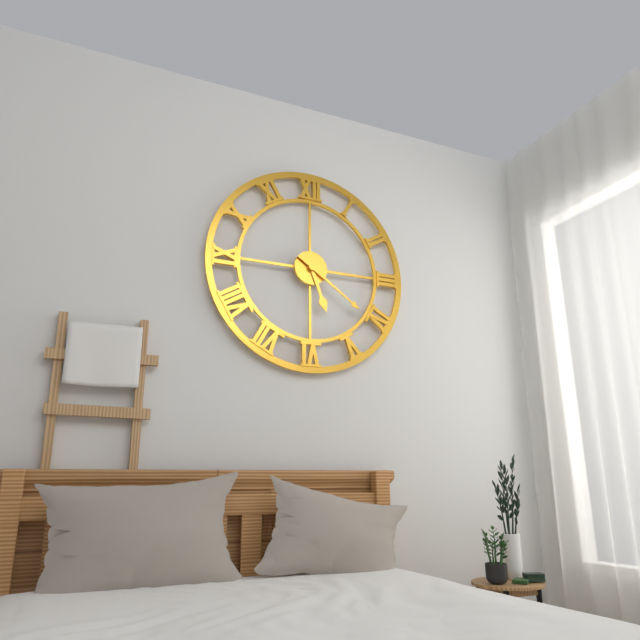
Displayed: 5 h 21 min
